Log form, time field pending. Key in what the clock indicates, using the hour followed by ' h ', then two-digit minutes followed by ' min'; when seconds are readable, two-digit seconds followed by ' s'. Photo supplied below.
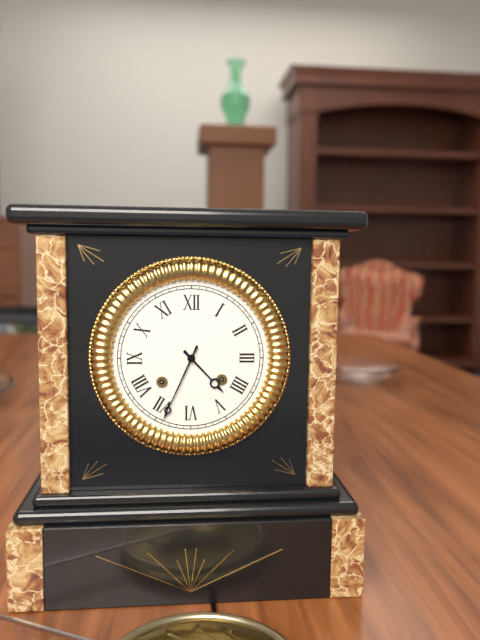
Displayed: 4 h 34 min
